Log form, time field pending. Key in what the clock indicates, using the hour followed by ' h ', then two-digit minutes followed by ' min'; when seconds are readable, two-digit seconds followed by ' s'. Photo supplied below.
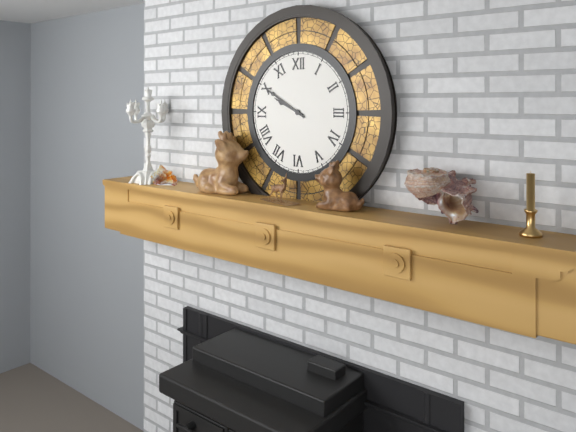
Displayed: 9 h 50 min
